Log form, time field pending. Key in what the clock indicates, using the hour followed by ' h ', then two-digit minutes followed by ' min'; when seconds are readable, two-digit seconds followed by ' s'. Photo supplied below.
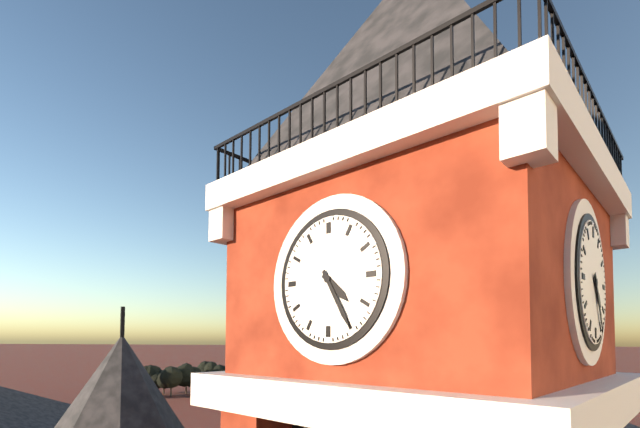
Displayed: 4 h 25 min
